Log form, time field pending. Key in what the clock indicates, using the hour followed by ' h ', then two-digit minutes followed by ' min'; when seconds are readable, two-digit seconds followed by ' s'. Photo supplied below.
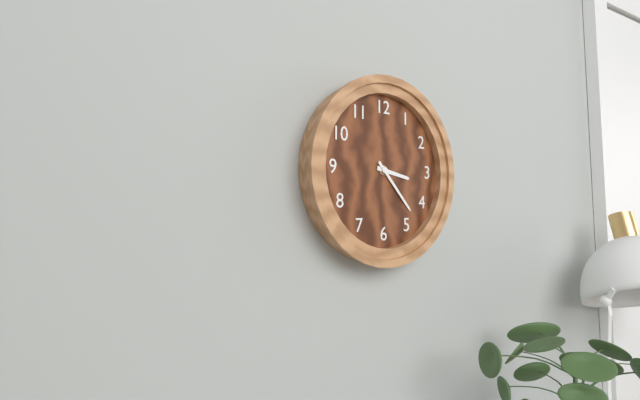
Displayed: 3 h 23 min
